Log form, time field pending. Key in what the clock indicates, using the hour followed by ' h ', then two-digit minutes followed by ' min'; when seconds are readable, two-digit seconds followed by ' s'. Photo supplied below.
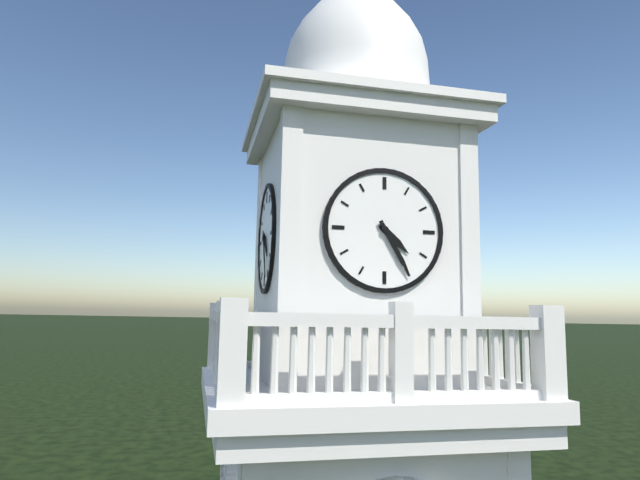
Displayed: 4 h 25 min
